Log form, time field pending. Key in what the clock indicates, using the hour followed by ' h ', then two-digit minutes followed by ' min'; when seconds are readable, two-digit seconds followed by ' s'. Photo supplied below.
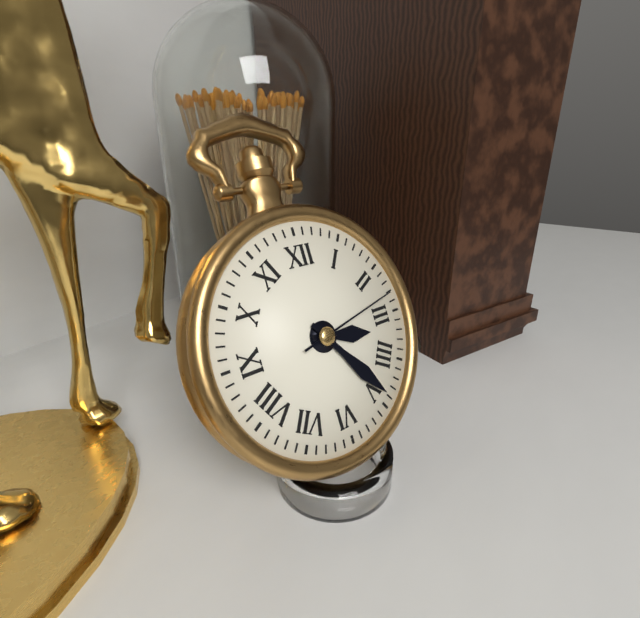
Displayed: 3 h 24 min 13 s
